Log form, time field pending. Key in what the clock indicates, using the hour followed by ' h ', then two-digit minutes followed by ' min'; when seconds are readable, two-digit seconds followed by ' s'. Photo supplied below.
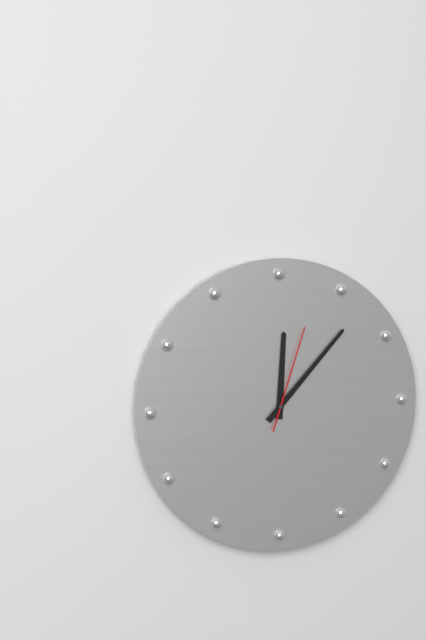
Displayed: 12 h 07 min 03 s
